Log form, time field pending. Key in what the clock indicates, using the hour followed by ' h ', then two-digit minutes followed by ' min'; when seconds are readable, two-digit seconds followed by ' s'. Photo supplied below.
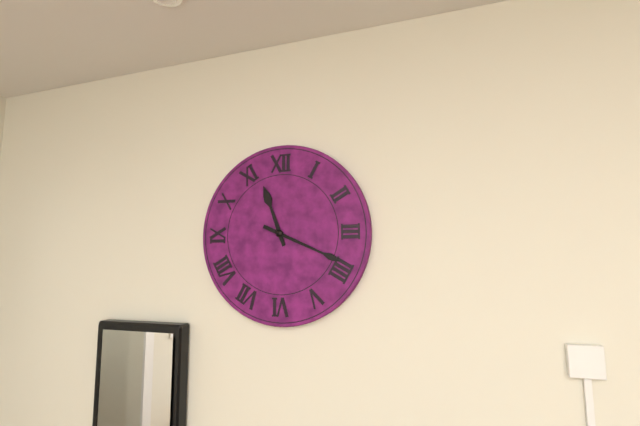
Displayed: 11 h 19 min
